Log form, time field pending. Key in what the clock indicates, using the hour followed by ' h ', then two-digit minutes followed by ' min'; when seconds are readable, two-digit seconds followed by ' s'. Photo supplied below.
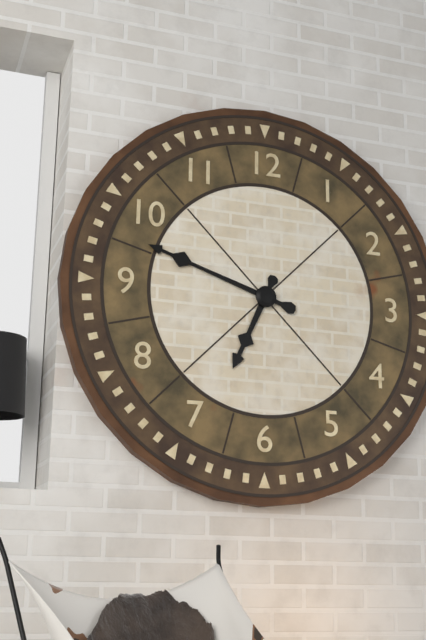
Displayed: 6 h 48 min
